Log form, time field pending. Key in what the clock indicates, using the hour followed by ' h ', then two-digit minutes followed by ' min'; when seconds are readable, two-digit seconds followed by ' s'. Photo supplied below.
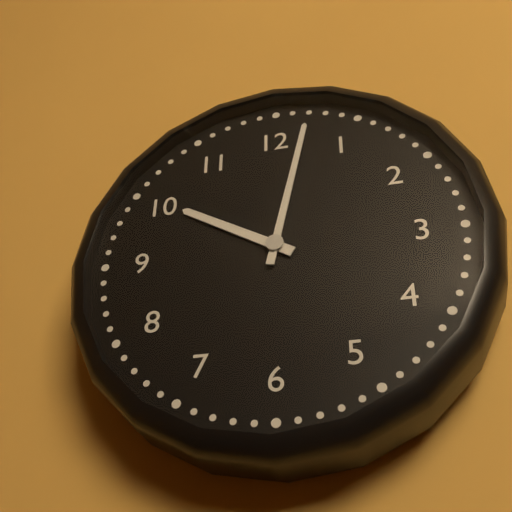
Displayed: 10 h 02 min
